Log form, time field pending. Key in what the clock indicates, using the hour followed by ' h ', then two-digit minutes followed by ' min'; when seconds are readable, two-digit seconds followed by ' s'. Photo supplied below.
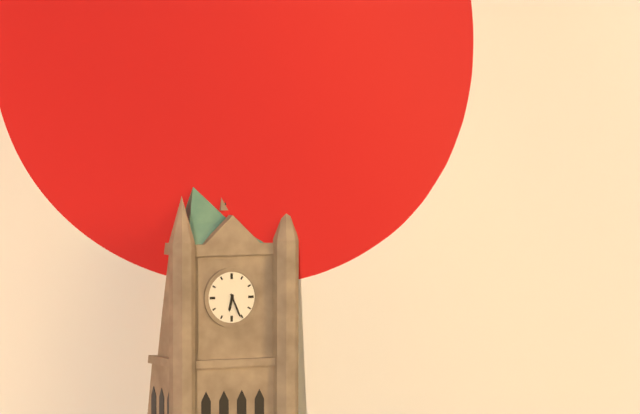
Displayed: 6 h 26 min
